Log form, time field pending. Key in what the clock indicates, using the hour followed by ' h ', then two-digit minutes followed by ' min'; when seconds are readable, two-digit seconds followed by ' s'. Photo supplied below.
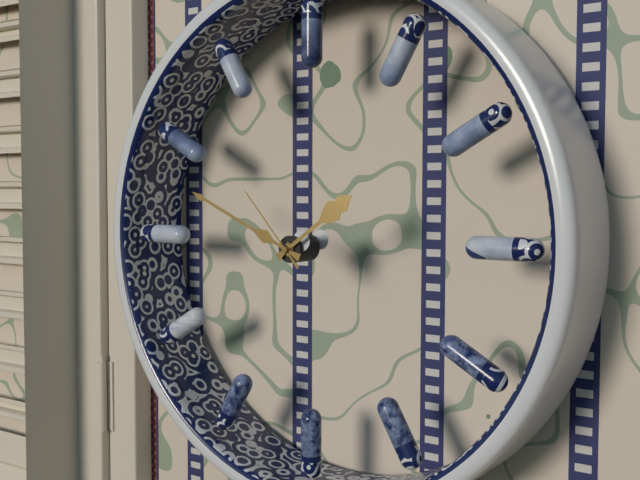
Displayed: 1 h 49 min 53 s
